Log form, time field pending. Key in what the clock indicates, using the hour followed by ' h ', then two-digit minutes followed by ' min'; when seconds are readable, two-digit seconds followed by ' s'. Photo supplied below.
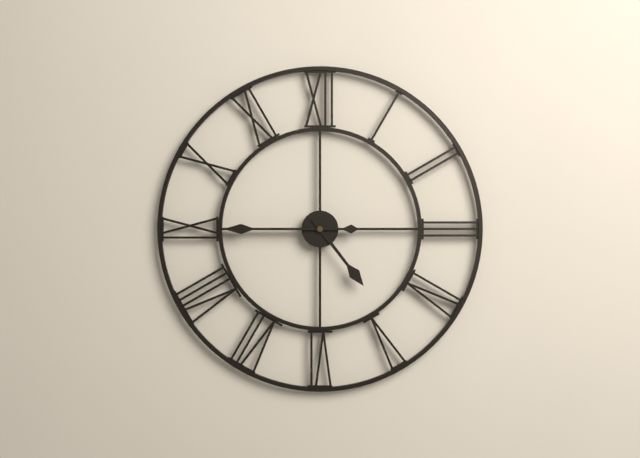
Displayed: 4 h 45 min
